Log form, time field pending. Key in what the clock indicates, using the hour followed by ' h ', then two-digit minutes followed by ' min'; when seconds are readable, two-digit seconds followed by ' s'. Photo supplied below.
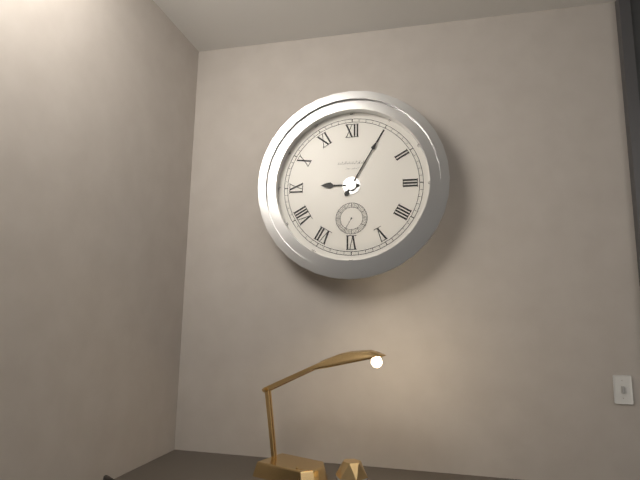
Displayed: 9 h 05 min
